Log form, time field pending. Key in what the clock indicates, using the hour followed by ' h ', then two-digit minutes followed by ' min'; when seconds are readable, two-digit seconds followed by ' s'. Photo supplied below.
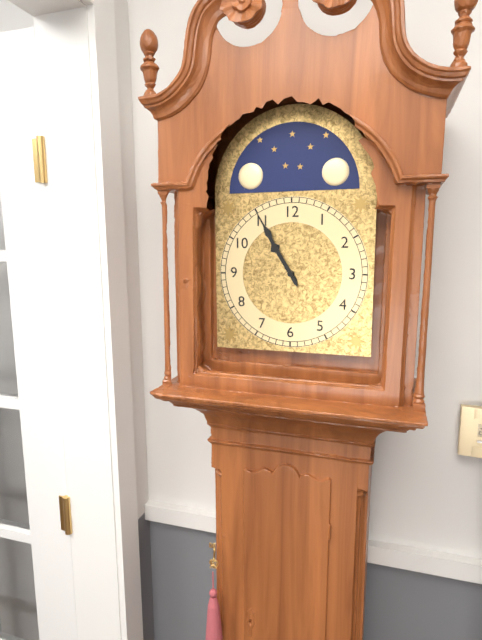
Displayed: 10 h 55 min
